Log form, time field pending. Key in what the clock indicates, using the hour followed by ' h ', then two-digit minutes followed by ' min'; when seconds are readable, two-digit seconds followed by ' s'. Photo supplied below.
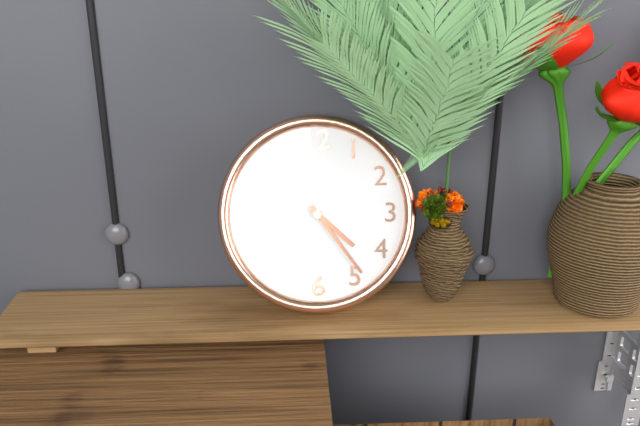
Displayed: 4 h 24 min
